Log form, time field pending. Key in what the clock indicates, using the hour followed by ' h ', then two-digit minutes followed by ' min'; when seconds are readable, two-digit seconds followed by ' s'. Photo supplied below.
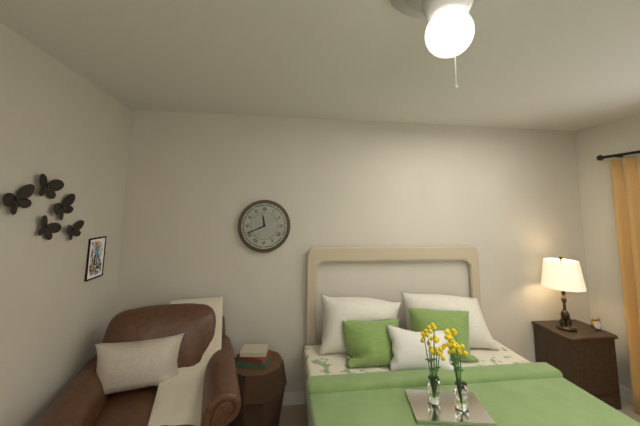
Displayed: 11 h 41 min
